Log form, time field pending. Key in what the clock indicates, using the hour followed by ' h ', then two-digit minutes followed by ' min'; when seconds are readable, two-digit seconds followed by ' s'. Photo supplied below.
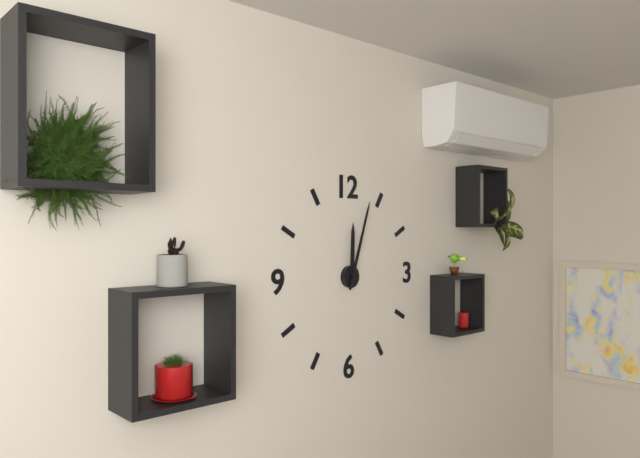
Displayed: 12 h 03 min
